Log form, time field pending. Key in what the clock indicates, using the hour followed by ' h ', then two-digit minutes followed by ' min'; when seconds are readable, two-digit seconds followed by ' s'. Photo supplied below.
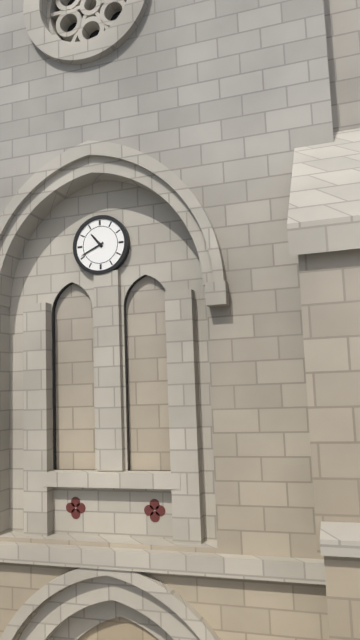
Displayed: 10 h 41 min
